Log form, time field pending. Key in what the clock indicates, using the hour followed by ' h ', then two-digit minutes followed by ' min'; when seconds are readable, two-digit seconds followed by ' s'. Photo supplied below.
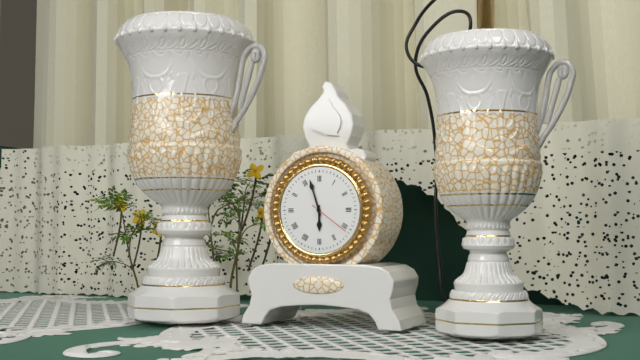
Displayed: 5 h 57 min
